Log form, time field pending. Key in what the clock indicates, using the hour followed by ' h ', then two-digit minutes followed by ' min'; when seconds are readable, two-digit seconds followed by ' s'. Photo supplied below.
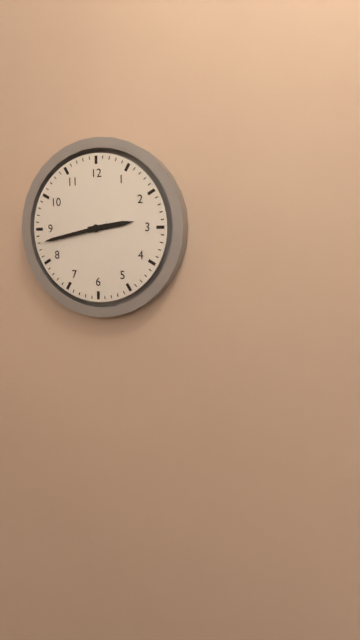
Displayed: 2 h 43 min
